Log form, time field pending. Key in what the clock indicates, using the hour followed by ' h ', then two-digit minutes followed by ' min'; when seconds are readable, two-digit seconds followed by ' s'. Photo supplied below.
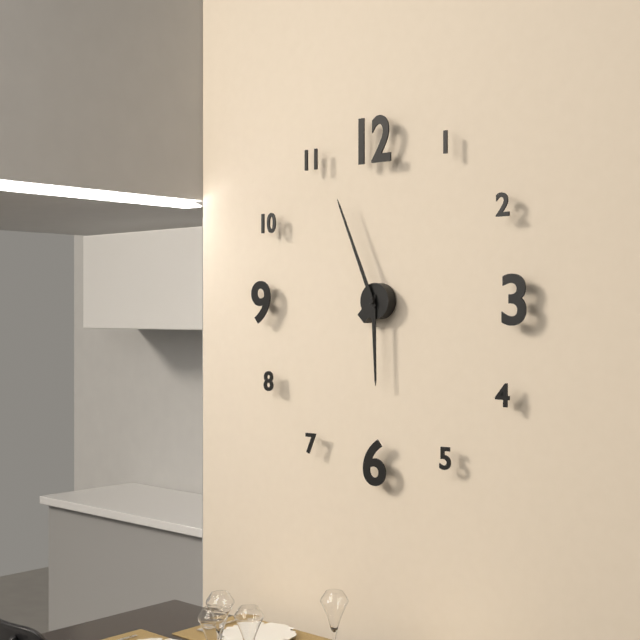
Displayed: 5 h 56 min
